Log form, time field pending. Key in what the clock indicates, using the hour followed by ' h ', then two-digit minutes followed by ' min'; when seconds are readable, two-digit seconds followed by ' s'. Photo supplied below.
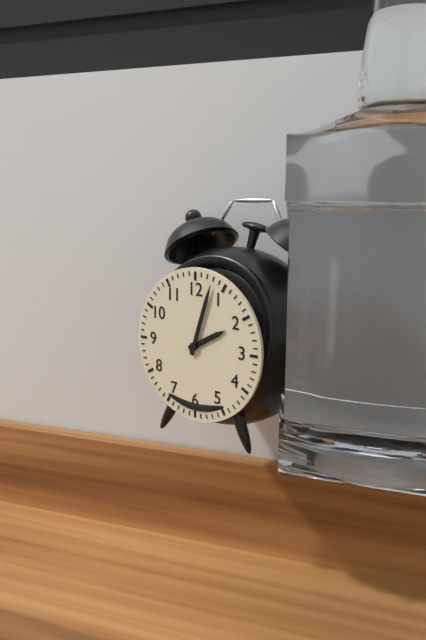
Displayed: 2 h 03 min
